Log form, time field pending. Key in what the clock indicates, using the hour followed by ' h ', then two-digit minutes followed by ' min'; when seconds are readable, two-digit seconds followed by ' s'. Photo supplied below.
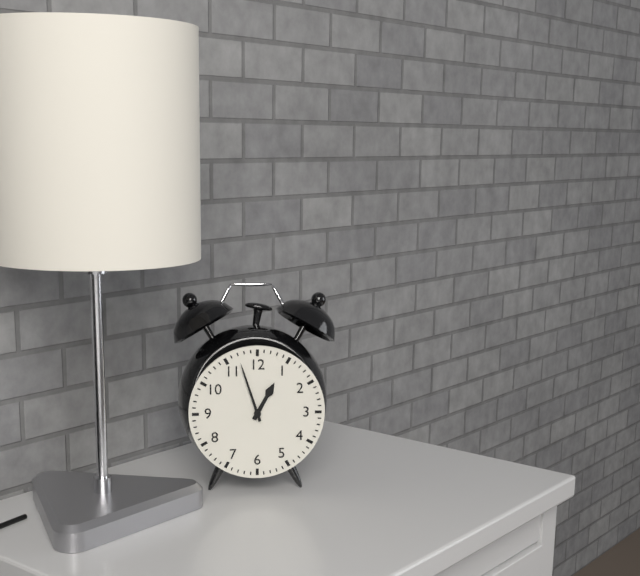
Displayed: 12 h 57 min
